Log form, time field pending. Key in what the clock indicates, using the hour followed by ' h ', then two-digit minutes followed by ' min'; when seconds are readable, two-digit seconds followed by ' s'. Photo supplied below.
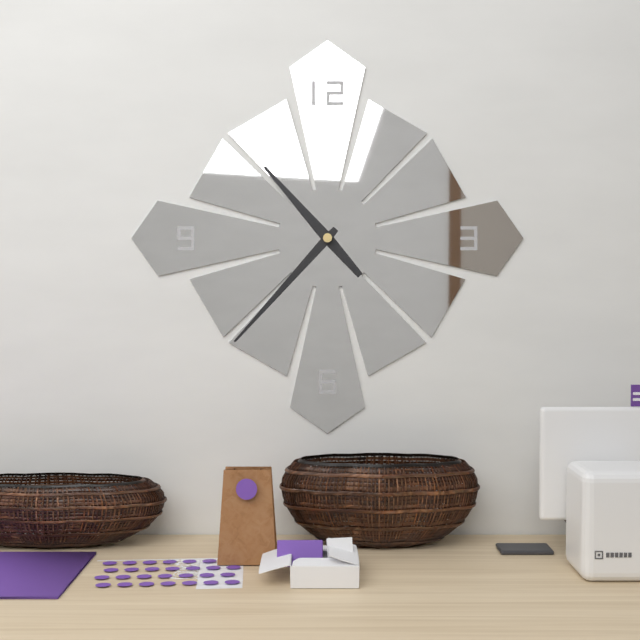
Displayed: 10 h 37 min
